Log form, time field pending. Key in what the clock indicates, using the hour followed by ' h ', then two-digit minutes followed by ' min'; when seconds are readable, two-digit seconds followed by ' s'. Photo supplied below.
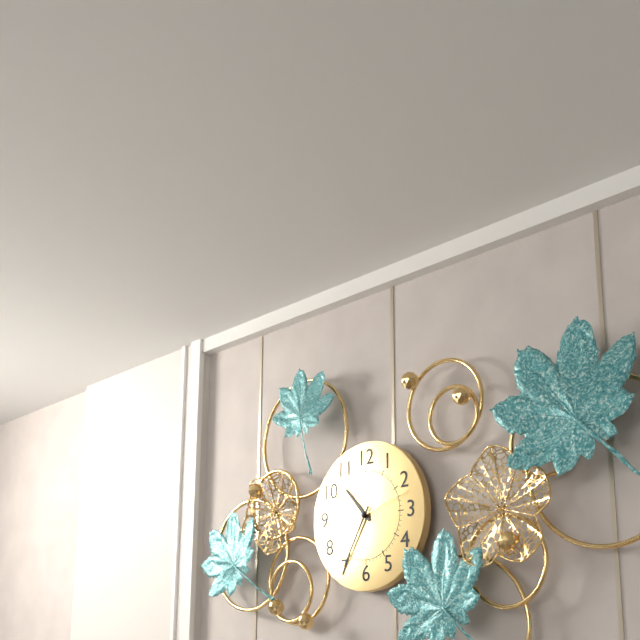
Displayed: 10 h 35 min 12 s
